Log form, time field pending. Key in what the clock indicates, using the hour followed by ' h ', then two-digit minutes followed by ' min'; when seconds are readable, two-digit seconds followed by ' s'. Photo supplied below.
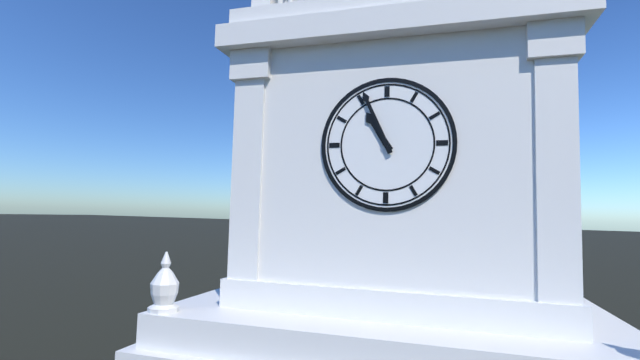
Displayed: 10 h 56 min
